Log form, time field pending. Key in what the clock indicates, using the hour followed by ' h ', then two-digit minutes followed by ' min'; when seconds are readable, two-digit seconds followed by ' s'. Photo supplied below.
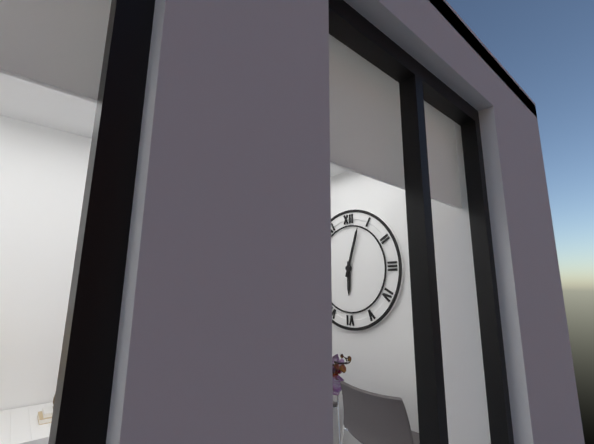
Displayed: 6 h 03 min
